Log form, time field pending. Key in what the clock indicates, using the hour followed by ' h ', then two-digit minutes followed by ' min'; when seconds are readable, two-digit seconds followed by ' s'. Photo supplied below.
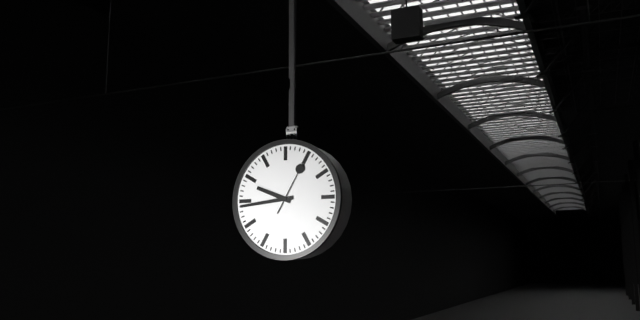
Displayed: 9 h 44 min
